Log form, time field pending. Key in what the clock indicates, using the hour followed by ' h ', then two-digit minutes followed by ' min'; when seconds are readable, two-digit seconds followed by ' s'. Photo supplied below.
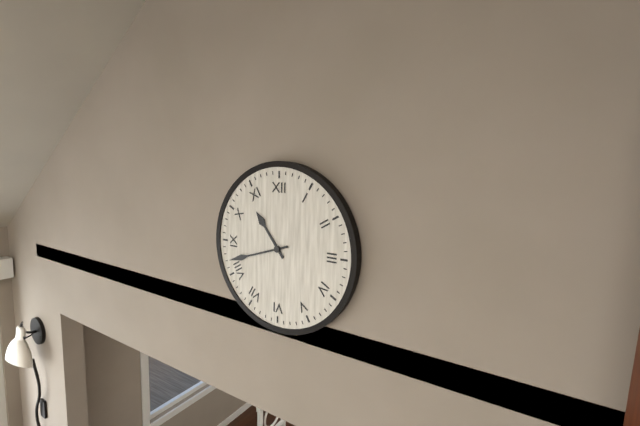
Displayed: 10 h 42 min
